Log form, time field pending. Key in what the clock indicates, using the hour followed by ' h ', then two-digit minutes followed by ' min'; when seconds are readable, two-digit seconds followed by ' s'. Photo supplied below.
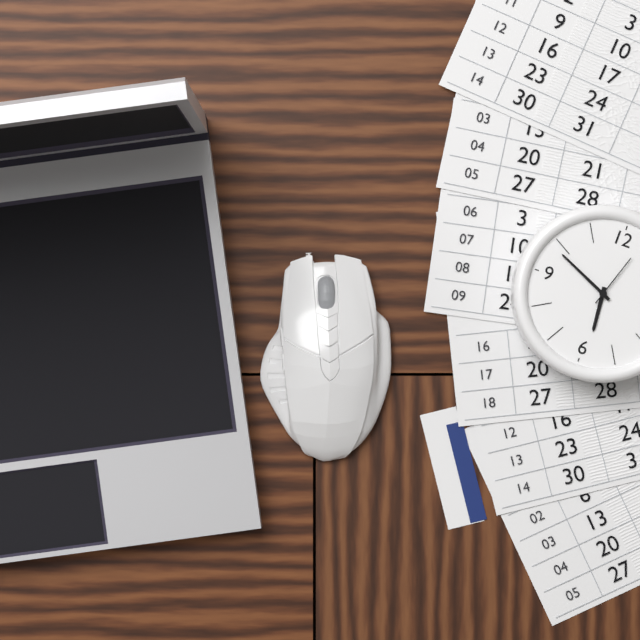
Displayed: 5 h 49 min 03 s
